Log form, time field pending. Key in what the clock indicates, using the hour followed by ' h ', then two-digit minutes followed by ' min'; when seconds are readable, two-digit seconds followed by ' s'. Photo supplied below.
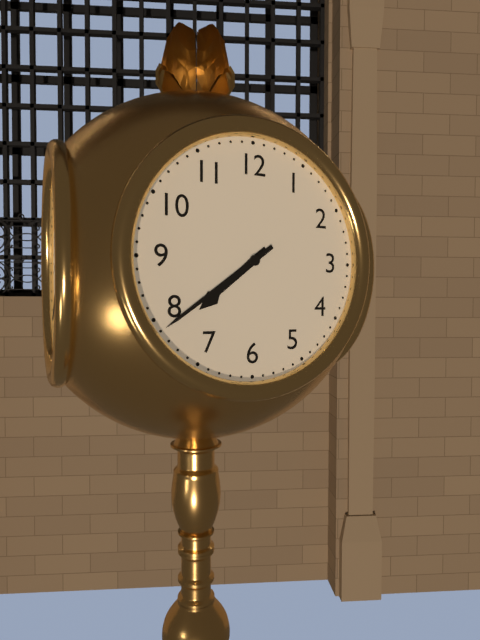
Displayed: 7 h 39 min
